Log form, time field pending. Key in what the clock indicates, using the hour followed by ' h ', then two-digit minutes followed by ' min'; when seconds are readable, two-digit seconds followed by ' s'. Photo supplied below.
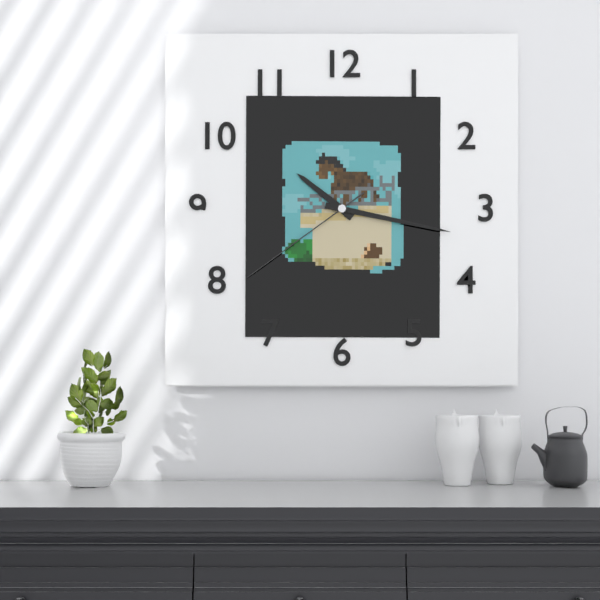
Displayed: 10 h 17 min 39 s
